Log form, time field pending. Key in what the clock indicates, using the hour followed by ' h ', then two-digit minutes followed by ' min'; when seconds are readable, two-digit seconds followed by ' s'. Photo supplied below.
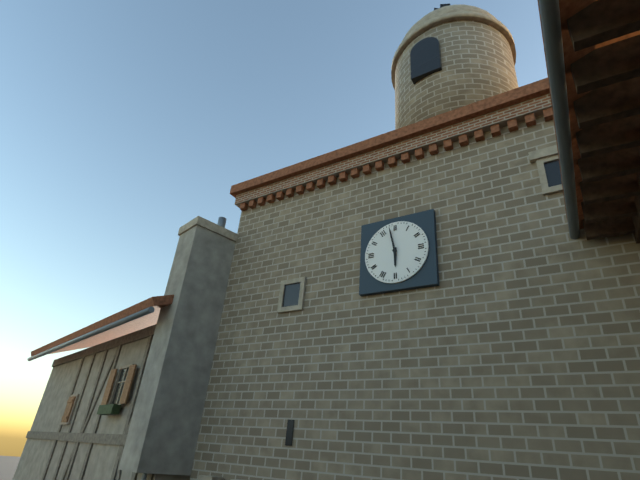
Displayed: 5 h 58 min
